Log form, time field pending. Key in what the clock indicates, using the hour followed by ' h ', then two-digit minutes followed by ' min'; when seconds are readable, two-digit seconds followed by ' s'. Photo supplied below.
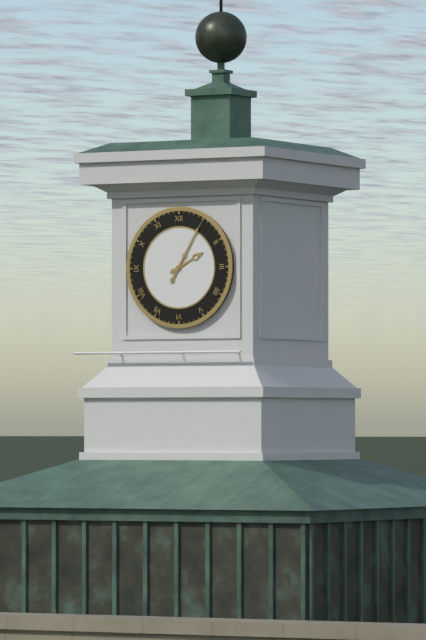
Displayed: 2 h 05 min
